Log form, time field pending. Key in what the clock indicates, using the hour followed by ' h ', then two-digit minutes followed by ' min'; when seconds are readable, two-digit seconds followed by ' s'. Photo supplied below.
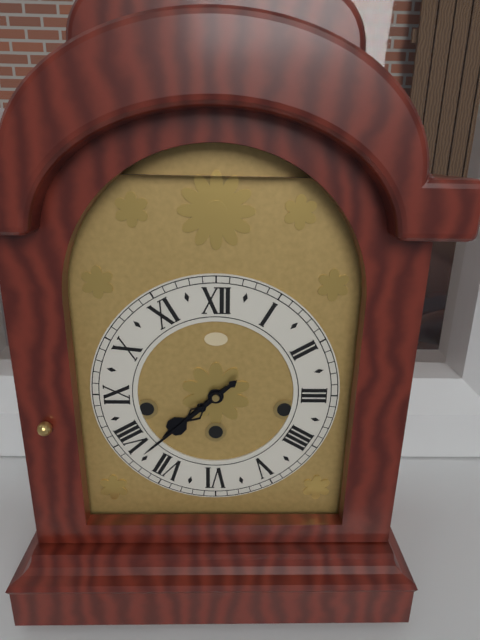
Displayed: 7 h 38 min
